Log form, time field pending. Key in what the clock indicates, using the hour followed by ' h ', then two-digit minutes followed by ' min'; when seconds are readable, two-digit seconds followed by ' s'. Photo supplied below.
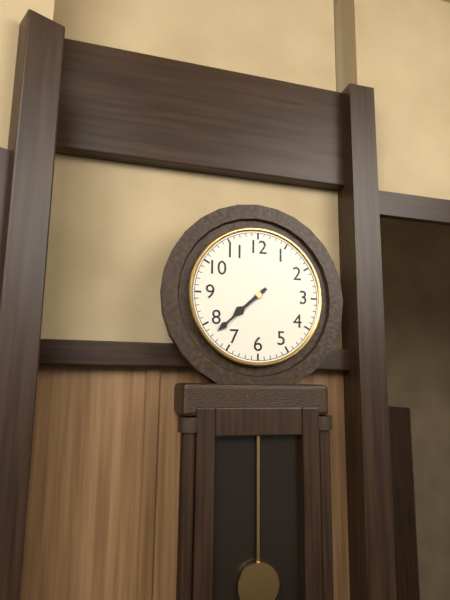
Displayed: 7 h 38 min
